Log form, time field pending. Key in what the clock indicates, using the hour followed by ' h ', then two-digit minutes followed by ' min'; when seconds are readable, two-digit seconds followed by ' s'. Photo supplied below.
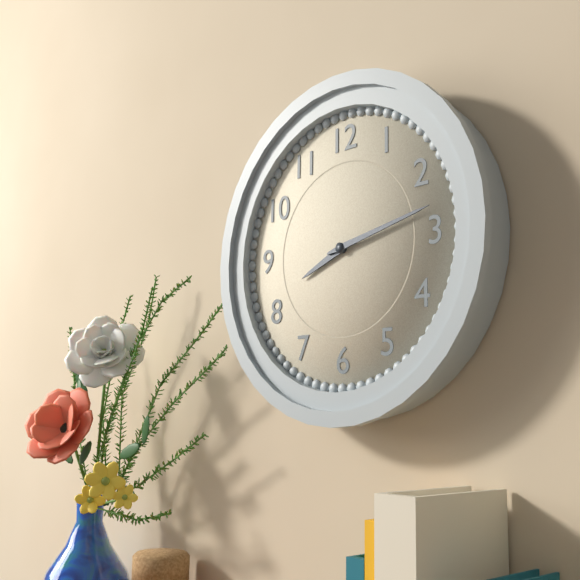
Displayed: 8 h 13 min
